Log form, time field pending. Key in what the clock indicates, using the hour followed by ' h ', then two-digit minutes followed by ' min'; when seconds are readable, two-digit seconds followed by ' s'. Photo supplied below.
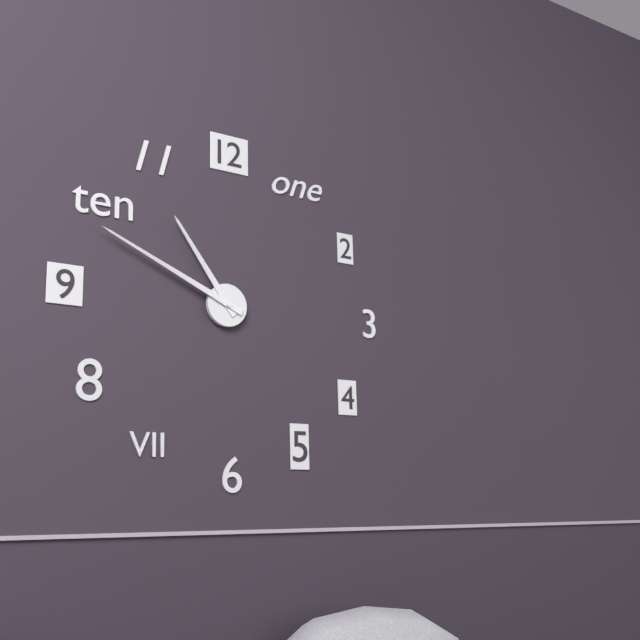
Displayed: 10 h 49 min
